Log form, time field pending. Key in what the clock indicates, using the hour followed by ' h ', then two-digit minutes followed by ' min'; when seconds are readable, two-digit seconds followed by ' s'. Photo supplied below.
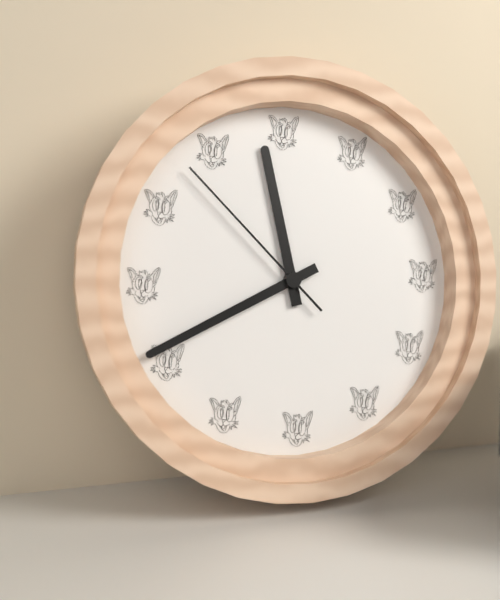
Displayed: 11 h 41 min 53 s
